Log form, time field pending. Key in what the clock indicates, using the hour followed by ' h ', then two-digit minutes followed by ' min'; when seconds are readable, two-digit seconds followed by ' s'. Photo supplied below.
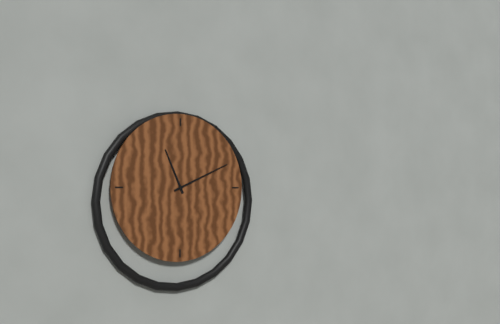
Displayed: 11 h 11 min
